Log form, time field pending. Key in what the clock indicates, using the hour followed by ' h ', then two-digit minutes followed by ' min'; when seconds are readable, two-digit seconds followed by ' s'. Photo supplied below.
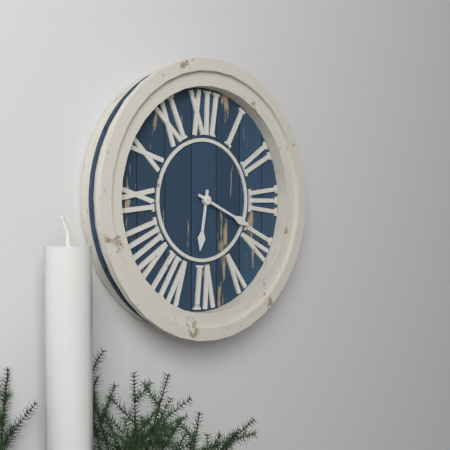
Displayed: 6 h 19 min
